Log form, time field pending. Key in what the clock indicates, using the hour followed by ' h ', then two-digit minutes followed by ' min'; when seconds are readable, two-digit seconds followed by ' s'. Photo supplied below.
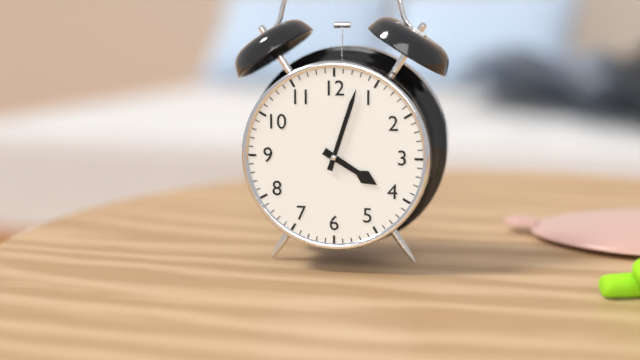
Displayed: 4 h 03 min
